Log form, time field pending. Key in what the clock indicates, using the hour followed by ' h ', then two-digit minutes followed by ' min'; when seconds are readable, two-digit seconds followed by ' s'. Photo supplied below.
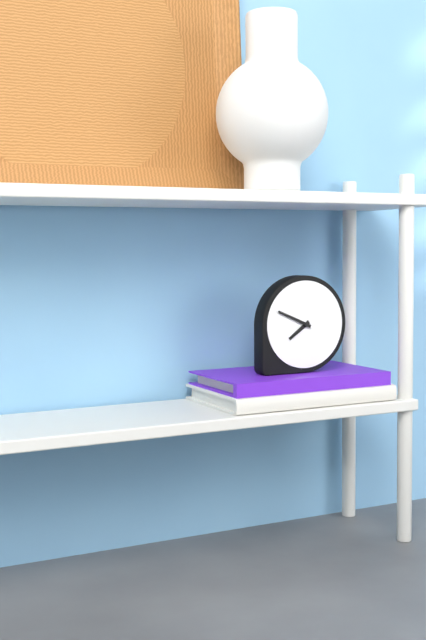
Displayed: 7 h 49 min
